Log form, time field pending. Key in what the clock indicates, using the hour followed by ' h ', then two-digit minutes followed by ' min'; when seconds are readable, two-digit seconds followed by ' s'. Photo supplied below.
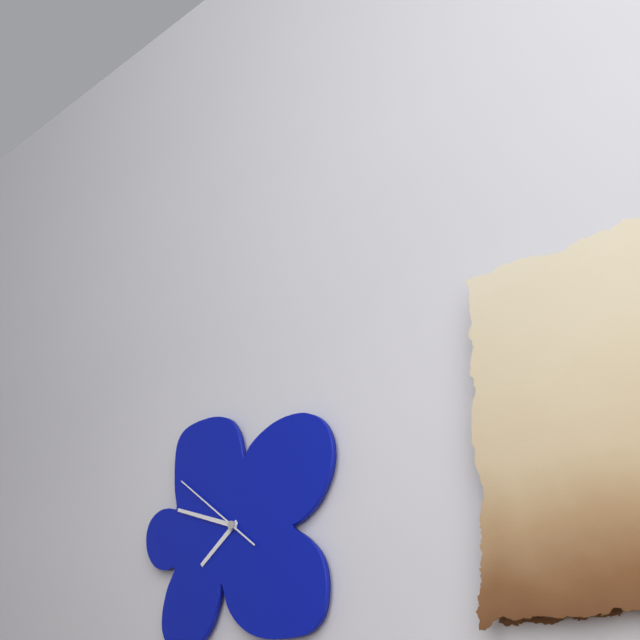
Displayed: 7 h 48 min 51 s
